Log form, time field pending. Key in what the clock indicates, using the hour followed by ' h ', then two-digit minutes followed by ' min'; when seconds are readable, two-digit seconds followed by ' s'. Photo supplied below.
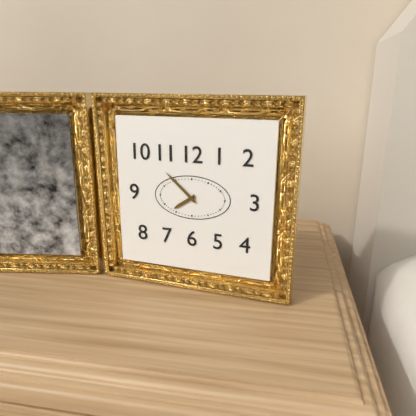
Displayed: 7 h 52 min
